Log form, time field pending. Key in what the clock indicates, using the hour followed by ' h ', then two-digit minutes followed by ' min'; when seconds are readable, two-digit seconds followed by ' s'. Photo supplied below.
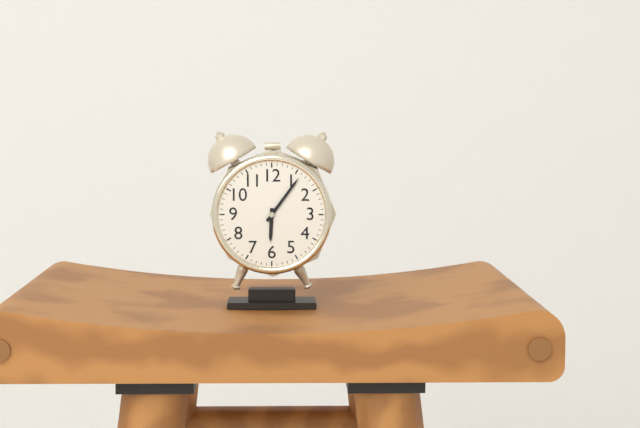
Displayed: 6 h 06 min
